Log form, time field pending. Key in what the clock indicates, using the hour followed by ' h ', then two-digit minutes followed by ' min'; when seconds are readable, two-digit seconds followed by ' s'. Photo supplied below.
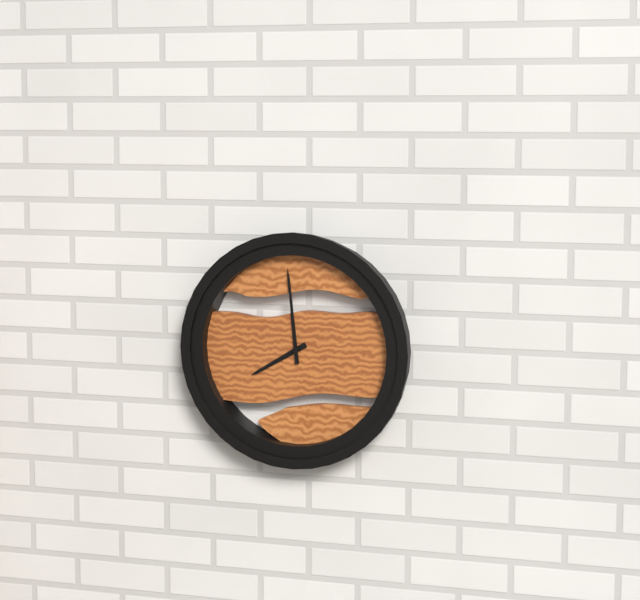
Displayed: 7 h 59 min
